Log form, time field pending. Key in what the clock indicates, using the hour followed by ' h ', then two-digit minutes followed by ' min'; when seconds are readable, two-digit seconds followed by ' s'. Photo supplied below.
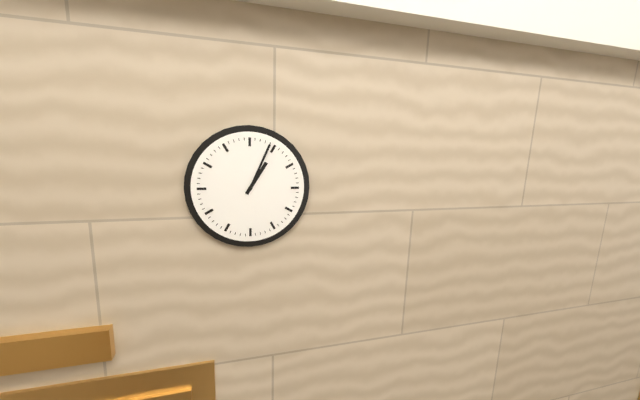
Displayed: 1 h 04 min
